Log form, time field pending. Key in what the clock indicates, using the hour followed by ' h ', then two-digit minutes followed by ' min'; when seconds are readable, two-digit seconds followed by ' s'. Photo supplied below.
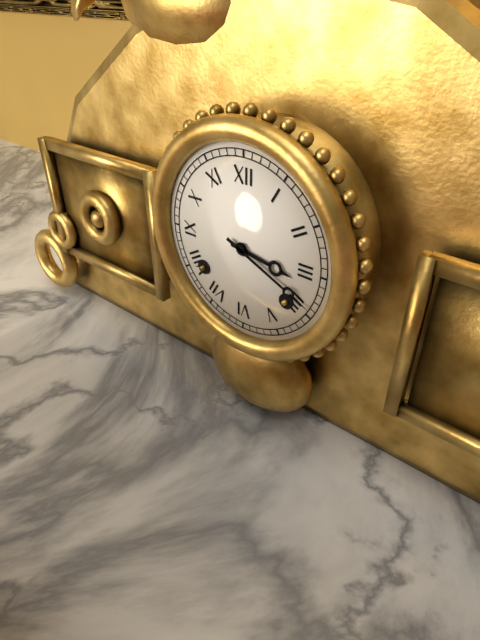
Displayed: 3 h 19 min
